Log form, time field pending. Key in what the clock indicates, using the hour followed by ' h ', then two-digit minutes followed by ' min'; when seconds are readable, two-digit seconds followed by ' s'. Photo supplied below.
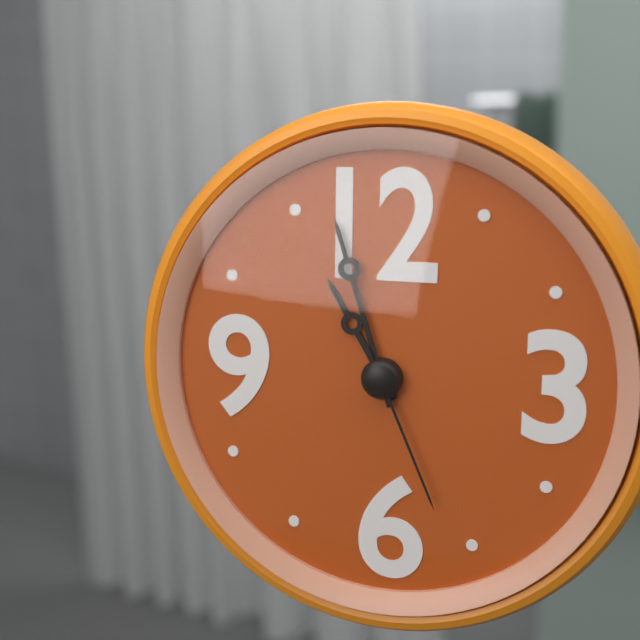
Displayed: 10 h 57 min 26 s
